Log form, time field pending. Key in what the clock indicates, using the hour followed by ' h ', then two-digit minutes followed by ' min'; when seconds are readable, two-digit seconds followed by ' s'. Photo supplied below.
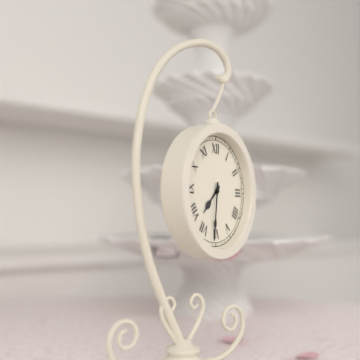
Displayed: 7 h 31 min
